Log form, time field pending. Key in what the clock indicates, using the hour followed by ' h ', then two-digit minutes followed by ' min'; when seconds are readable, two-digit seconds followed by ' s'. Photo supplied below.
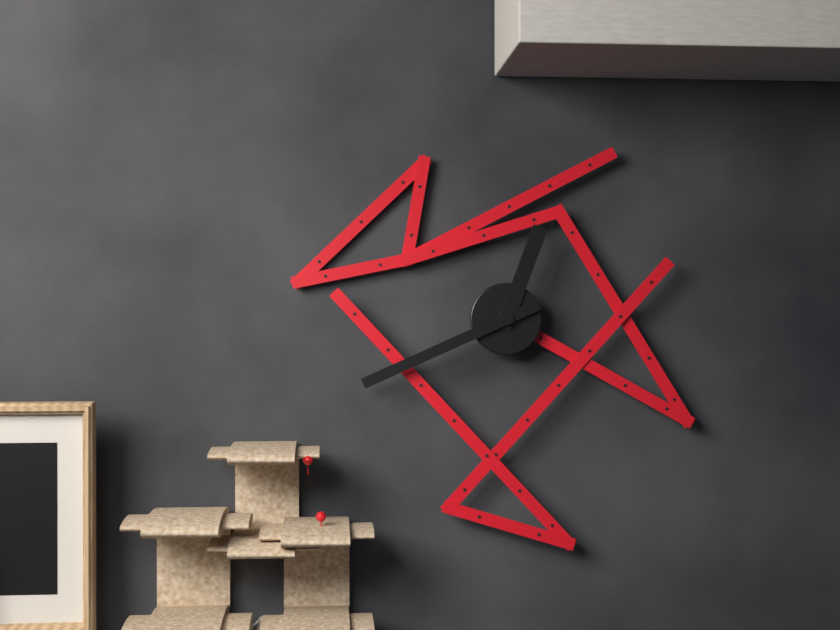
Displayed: 12 h 41 min
